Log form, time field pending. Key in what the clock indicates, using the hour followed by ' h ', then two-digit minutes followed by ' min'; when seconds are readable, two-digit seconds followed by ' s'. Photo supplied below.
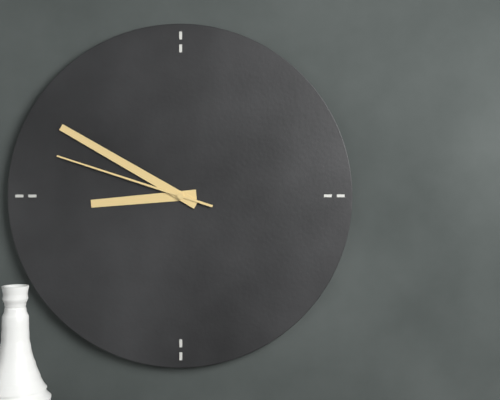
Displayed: 8 h 50 min 48 s
